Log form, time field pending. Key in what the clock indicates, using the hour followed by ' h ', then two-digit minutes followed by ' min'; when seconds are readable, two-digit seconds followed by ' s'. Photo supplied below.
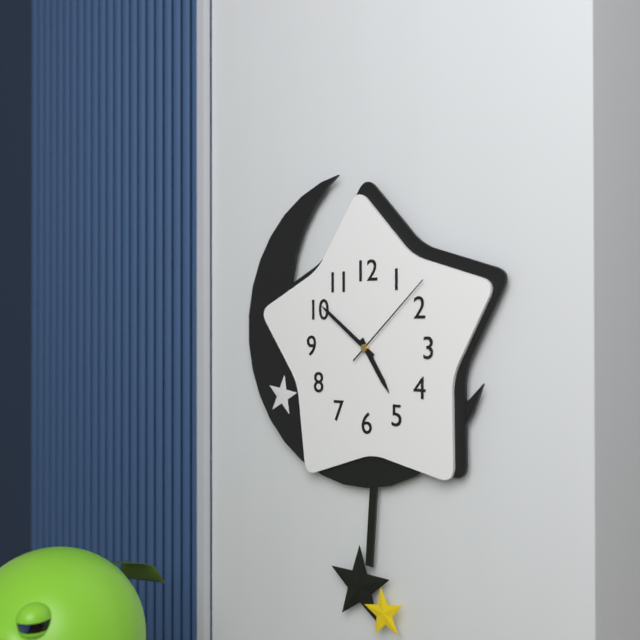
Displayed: 4 h 51 min 08 s
